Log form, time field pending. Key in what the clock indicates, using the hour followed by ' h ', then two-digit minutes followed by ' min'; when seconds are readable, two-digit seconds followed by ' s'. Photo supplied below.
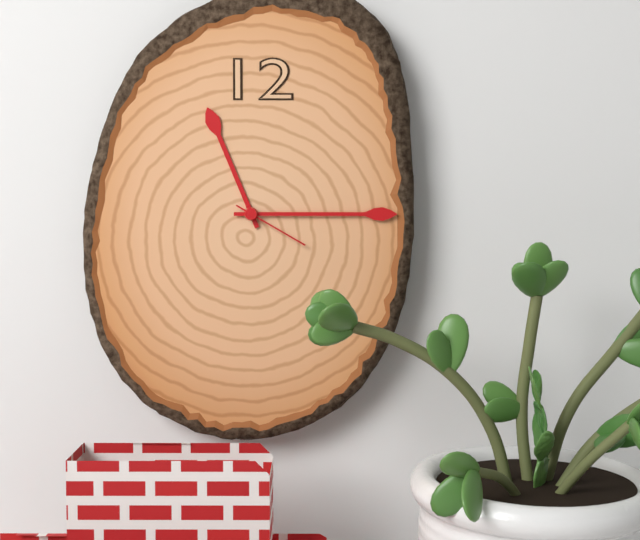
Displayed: 11 h 15 min 20 s
